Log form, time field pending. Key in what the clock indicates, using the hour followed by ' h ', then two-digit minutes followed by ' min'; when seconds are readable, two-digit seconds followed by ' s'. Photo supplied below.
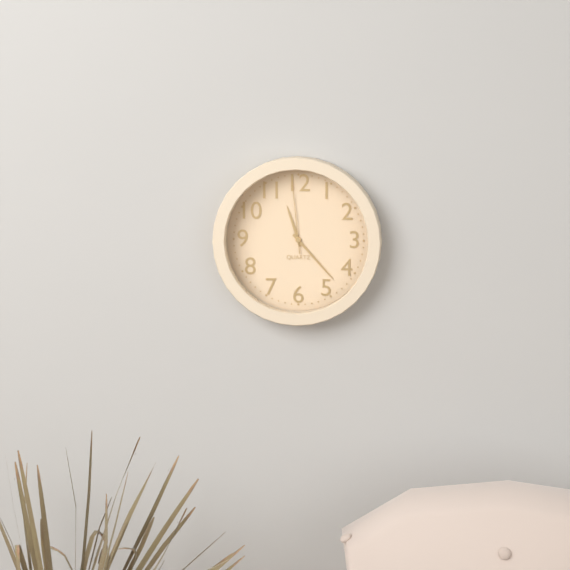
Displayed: 11 h 23 min 59 s
